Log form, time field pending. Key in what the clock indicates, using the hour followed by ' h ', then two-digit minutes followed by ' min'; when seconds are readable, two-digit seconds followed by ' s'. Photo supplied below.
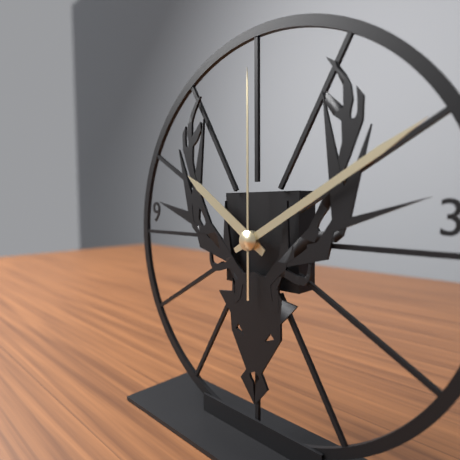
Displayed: 10 h 10 min 00 s
